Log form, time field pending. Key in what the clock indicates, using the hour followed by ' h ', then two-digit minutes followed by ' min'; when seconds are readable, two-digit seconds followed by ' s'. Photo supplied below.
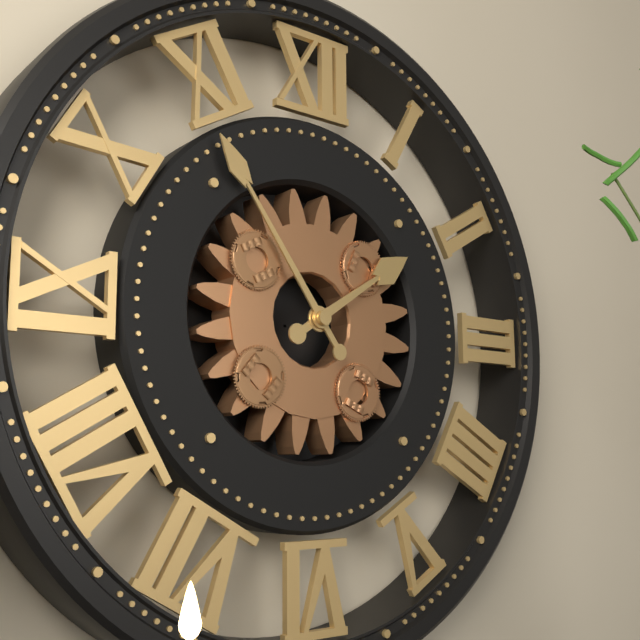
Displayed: 1 h 54 min
